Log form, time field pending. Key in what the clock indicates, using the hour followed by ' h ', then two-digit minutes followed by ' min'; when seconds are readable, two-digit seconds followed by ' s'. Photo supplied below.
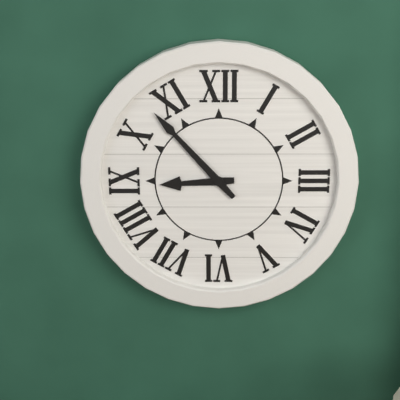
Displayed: 8 h 53 min
